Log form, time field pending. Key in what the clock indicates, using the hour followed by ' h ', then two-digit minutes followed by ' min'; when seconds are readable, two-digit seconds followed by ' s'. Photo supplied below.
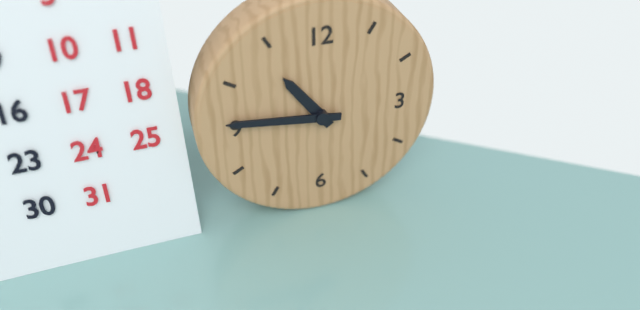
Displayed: 10 h 46 min
